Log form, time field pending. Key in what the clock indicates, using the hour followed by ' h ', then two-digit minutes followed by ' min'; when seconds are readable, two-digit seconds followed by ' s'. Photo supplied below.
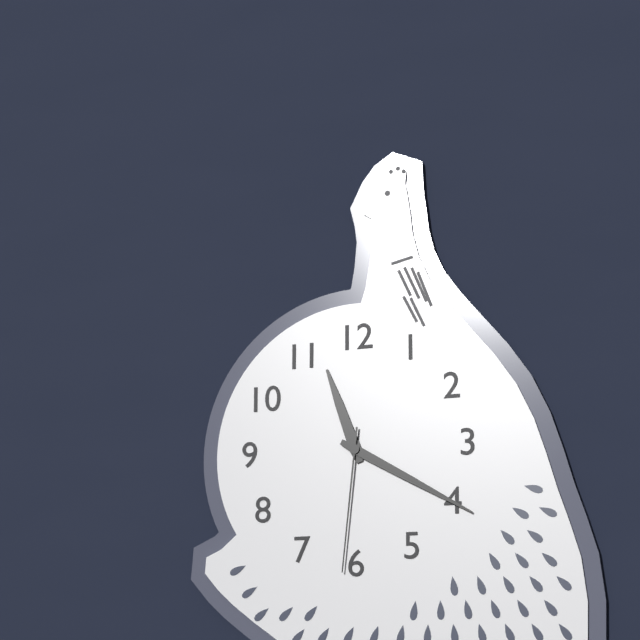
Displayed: 11 h 20 min 31 s
